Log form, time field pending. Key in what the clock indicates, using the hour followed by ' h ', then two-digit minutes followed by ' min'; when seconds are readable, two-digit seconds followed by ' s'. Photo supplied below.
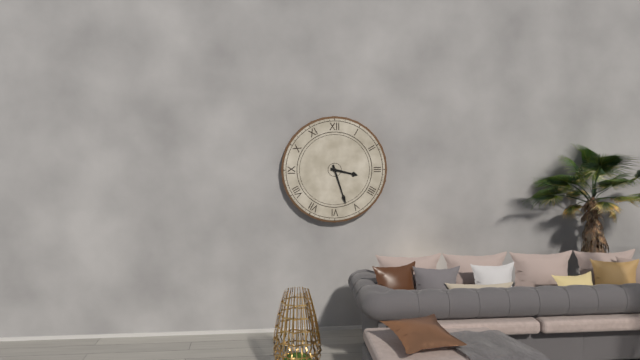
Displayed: 3 h 27 min
